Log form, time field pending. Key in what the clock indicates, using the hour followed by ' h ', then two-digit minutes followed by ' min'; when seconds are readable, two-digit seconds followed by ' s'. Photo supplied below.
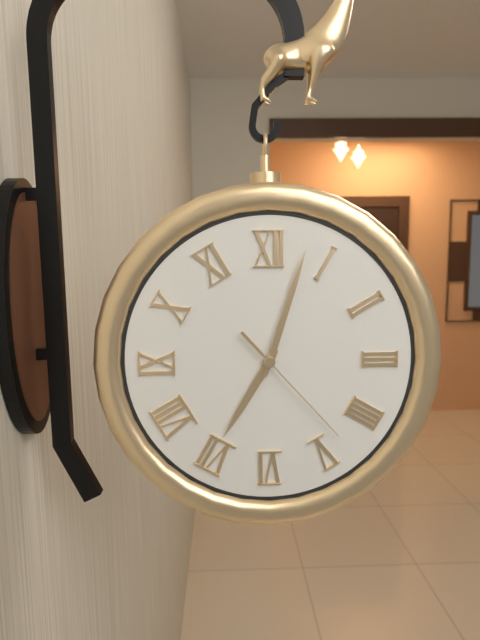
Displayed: 7 h 03 min 23 s
